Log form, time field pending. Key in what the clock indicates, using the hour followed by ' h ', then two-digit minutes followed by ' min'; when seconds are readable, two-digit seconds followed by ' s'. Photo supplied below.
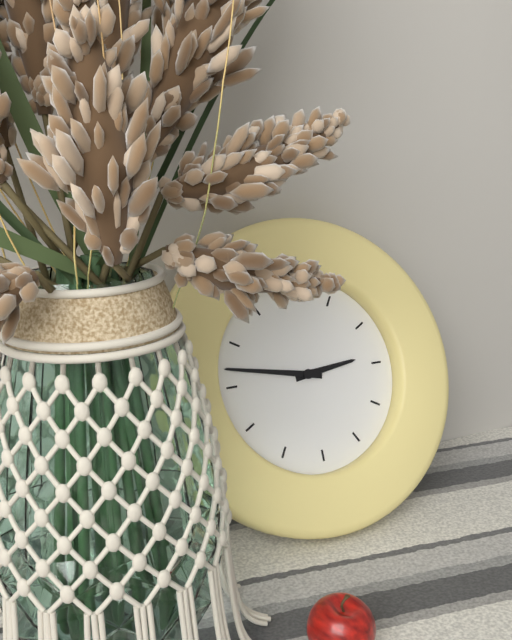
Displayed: 2 h 47 min
